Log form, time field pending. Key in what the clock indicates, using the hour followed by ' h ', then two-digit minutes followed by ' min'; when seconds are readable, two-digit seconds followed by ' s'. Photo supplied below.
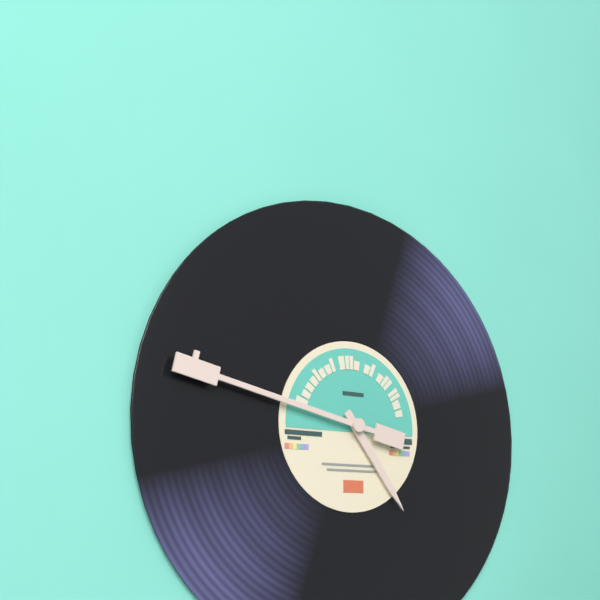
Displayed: 4 h 47 min
